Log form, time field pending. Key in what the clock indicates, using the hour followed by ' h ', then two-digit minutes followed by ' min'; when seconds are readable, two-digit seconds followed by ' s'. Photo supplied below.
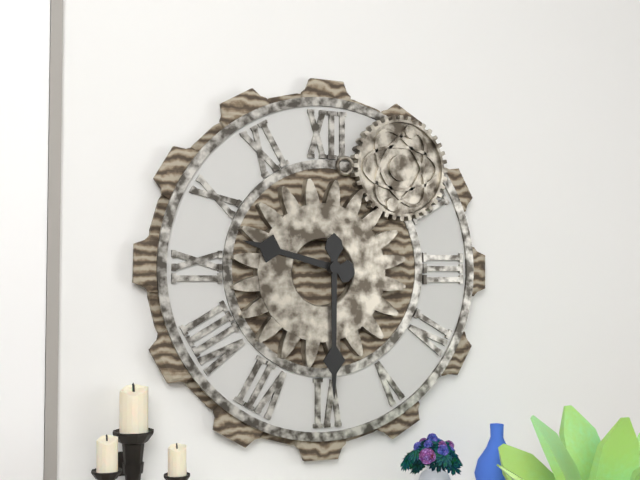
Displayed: 9 h 30 min
